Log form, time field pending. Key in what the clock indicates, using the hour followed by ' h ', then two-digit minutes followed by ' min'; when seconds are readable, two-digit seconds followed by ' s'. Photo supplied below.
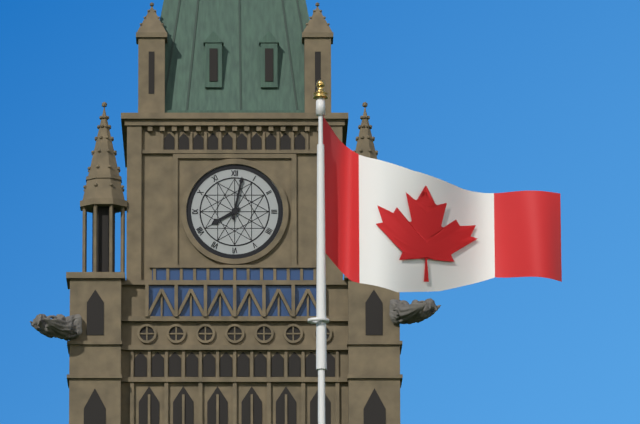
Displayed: 8 h 02 min
